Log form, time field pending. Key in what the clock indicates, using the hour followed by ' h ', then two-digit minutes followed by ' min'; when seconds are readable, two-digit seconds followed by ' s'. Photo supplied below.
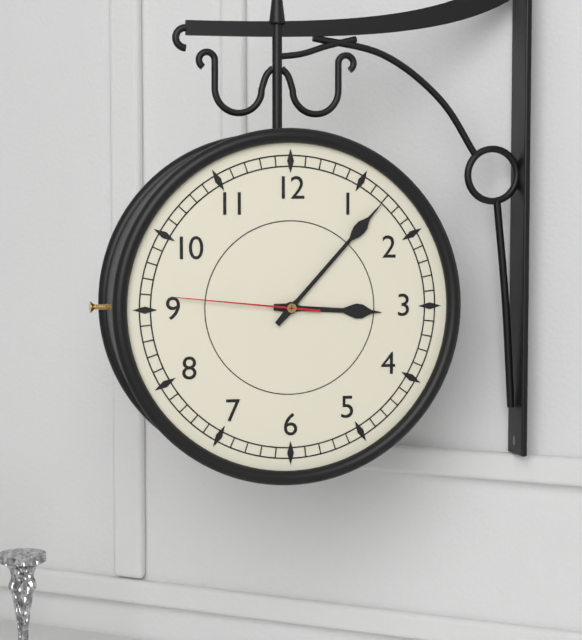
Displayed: 3 h 07 min 46 s
